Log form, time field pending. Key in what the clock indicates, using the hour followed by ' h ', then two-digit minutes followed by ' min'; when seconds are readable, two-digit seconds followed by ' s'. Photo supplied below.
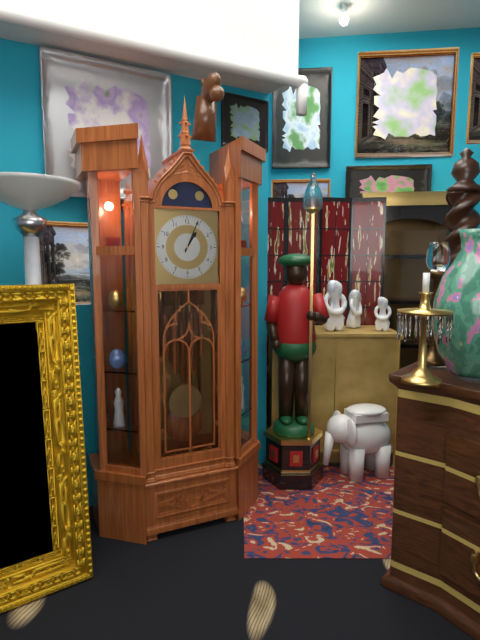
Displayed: 1 h 04 min
